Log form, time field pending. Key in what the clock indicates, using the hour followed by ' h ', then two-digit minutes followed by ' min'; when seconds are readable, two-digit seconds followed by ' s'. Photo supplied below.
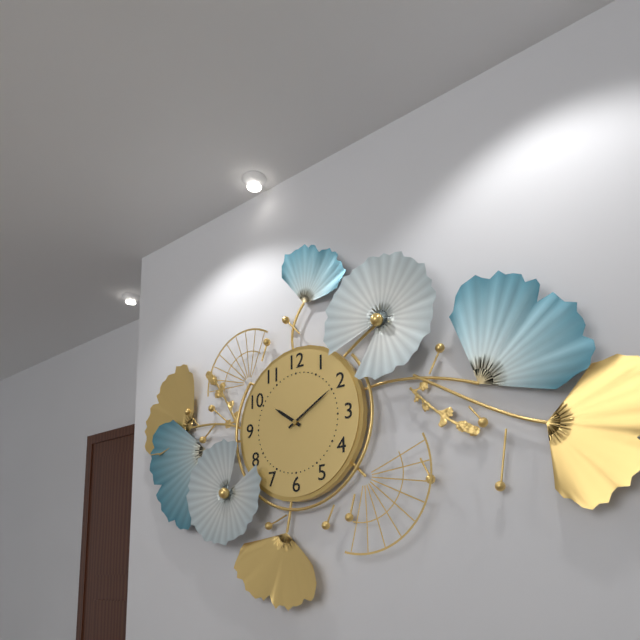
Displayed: 10 h 10 min
